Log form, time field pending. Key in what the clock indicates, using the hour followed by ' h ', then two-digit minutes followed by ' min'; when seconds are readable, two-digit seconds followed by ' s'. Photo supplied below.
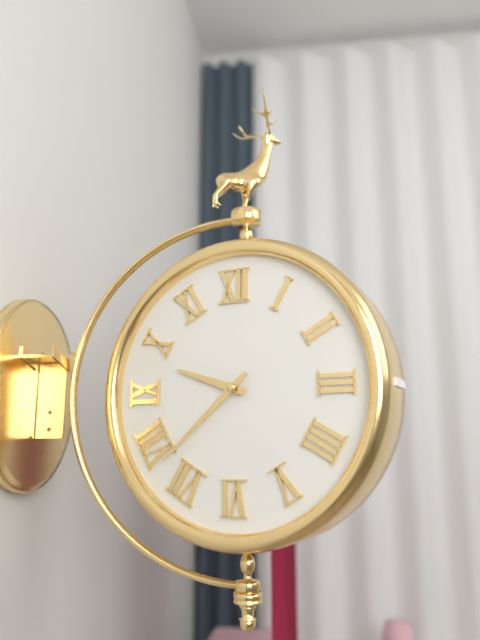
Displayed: 9 h 38 min
